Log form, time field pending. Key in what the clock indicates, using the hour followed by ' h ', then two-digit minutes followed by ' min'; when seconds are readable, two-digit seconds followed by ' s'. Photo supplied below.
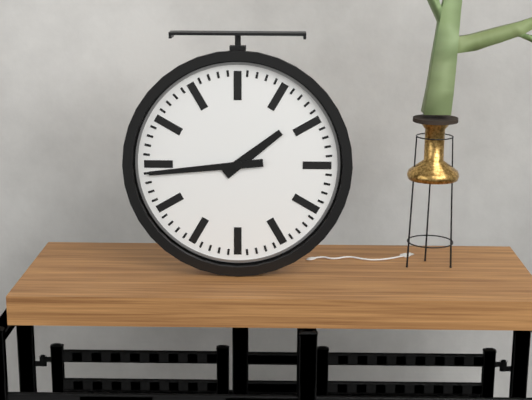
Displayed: 1 h 44 min
